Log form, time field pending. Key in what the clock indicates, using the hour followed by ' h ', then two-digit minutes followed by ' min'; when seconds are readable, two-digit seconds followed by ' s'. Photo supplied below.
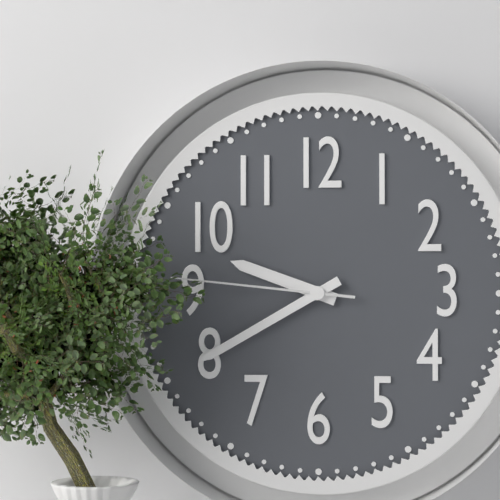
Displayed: 9 h 40 min 46 s
